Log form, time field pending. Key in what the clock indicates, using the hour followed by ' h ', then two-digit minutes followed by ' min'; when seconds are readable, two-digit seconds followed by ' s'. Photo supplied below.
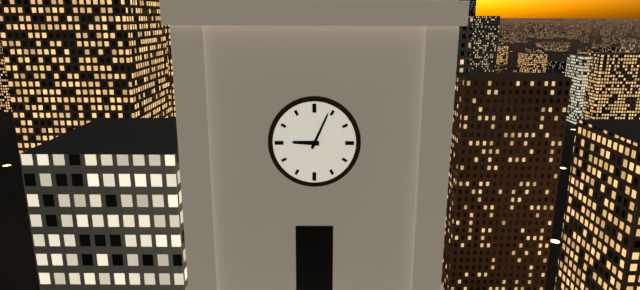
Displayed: 9 h 04 min
